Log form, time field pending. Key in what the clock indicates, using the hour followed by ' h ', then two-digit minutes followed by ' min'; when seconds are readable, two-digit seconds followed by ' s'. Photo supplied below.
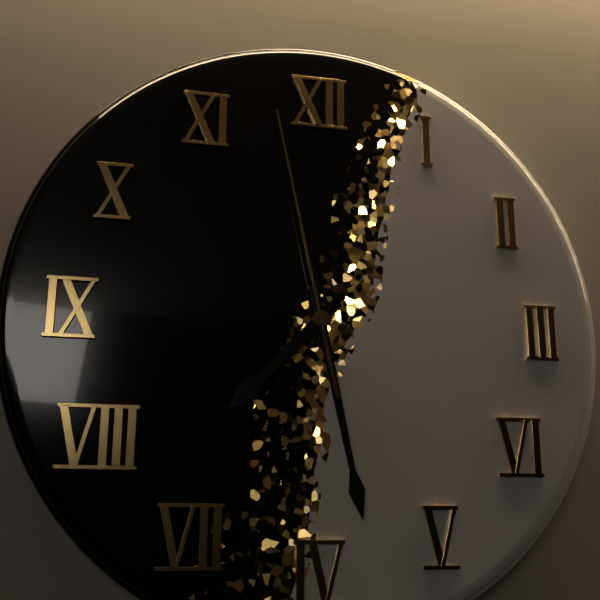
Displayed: 7 h 28 min 58 s
